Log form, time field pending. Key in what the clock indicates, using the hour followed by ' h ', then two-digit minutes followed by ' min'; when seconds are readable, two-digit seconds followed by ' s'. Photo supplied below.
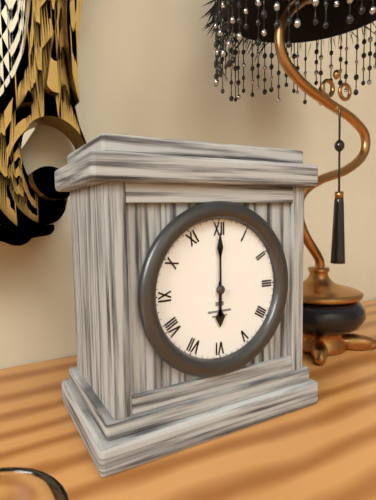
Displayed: 6 h 00 min
